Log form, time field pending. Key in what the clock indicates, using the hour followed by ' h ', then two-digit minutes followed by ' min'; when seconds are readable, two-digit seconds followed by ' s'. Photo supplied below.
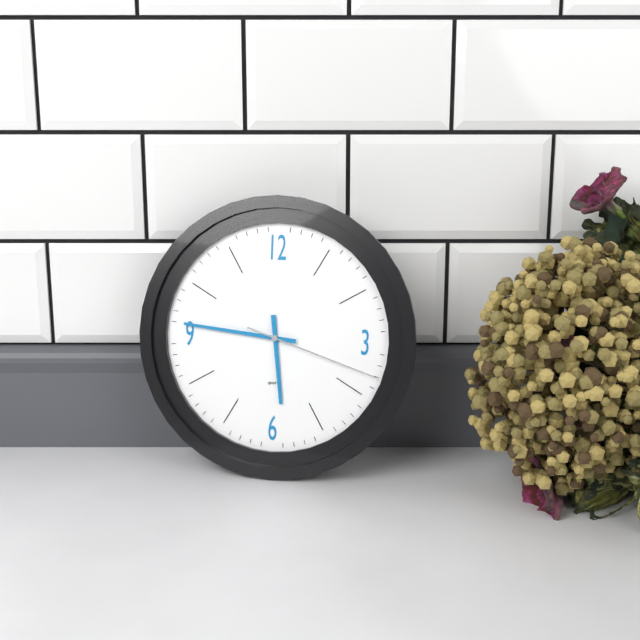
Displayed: 5 h 46 min 18 s
